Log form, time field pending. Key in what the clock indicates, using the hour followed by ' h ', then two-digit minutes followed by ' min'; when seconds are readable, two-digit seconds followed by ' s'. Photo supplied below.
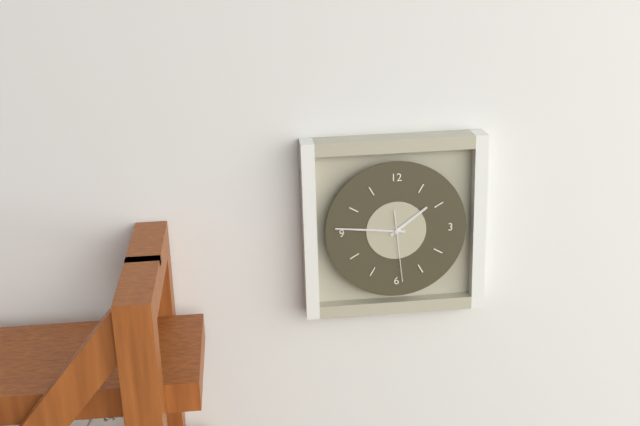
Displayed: 1 h 46 min 29 s
